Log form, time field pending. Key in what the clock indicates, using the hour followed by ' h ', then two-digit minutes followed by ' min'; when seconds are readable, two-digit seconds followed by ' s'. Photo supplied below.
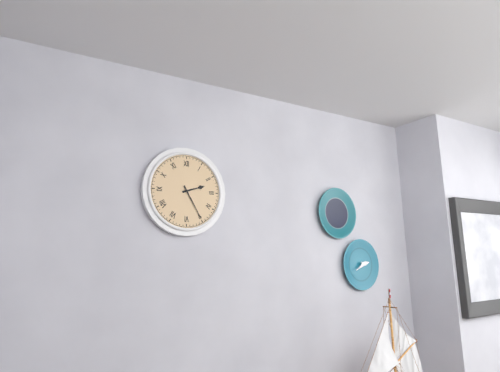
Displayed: 2 h 25 min
